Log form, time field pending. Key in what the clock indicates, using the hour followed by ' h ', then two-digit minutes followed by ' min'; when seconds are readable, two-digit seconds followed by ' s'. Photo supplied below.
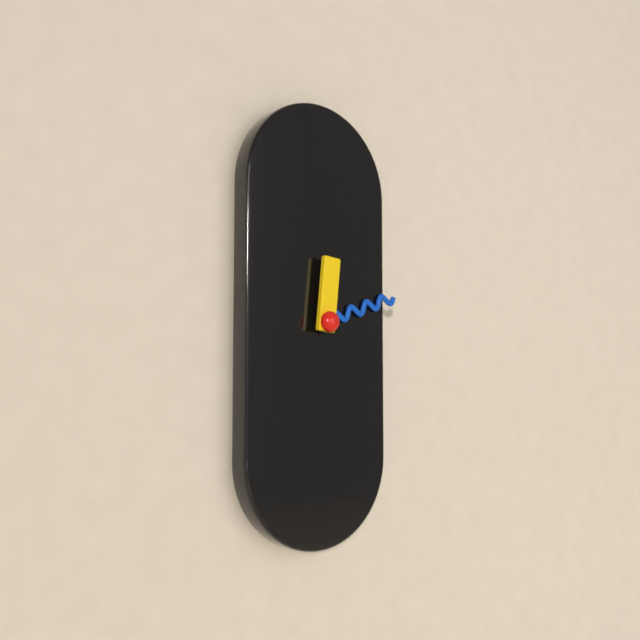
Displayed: 12 h 12 min
